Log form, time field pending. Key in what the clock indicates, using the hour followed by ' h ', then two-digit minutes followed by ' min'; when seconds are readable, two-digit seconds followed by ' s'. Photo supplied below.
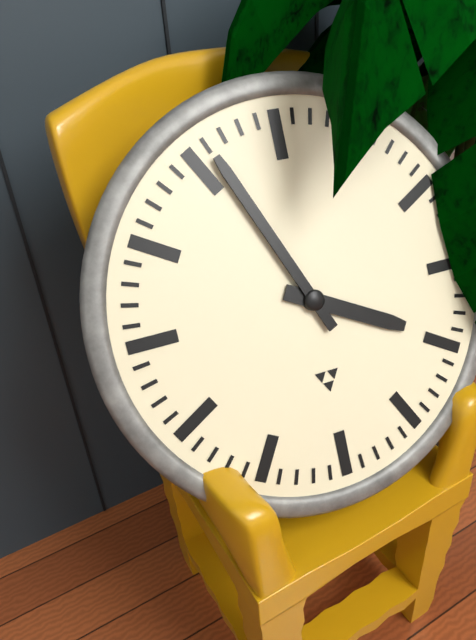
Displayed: 3 h 56 min
